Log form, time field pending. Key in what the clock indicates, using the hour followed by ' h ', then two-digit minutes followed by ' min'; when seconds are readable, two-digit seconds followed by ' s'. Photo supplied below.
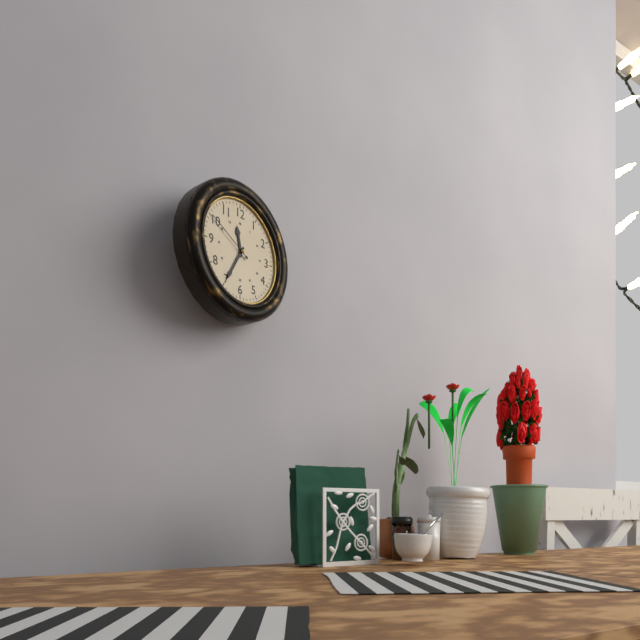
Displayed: 11 h 35 min 50 s
